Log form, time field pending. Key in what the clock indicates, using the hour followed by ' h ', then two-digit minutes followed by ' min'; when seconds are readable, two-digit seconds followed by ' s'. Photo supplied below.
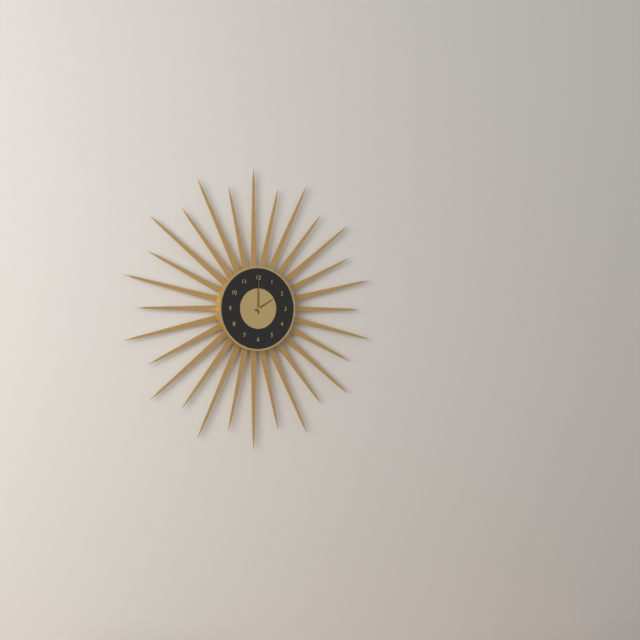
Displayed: 2 h 00 min
